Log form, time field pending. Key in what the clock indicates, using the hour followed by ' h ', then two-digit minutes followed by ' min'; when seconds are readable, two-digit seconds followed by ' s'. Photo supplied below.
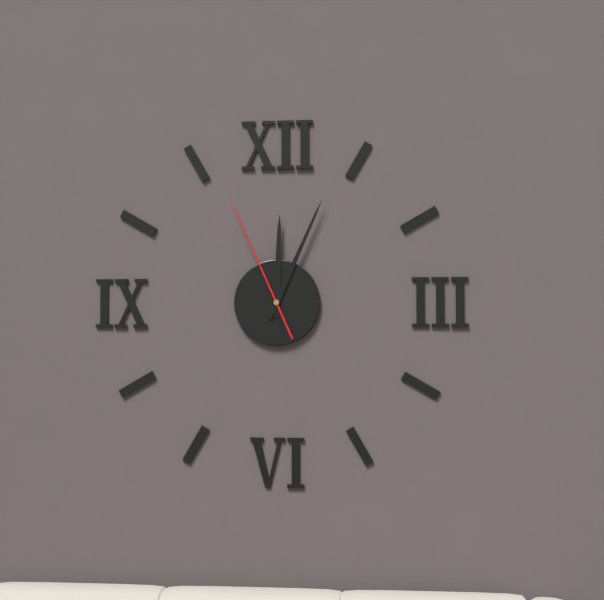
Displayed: 12 h 04 min 56 s
